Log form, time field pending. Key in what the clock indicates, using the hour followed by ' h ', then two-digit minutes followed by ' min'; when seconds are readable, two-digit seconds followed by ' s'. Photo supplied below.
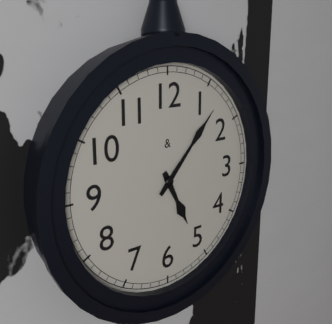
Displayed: 5 h 07 min
